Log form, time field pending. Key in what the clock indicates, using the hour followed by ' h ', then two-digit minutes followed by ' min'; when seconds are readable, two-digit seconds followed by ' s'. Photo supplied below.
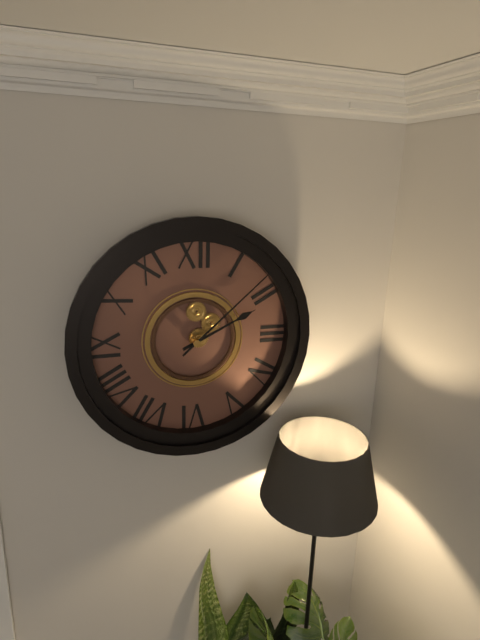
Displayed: 2 h 08 min
